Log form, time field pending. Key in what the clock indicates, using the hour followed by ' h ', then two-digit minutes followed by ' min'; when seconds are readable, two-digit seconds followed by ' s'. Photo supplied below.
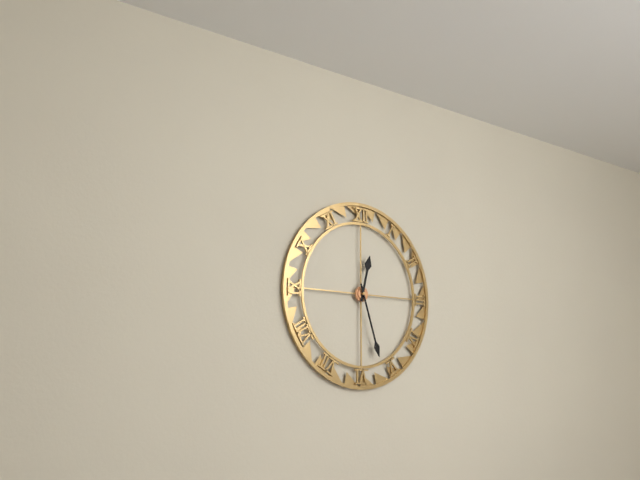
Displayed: 12 h 27 min
